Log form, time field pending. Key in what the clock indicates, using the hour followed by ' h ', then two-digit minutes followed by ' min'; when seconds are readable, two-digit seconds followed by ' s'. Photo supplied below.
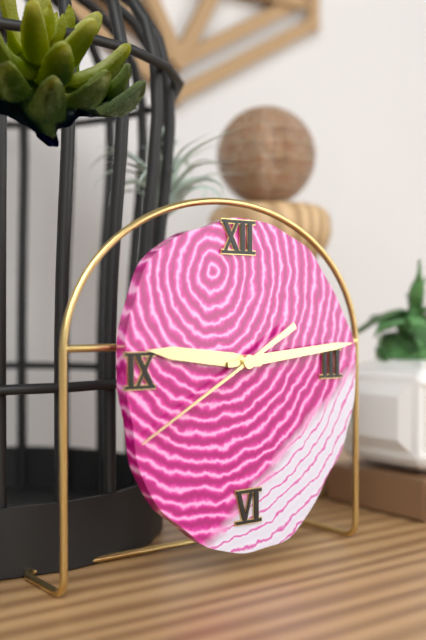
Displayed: 9 h 14 min 40 s
